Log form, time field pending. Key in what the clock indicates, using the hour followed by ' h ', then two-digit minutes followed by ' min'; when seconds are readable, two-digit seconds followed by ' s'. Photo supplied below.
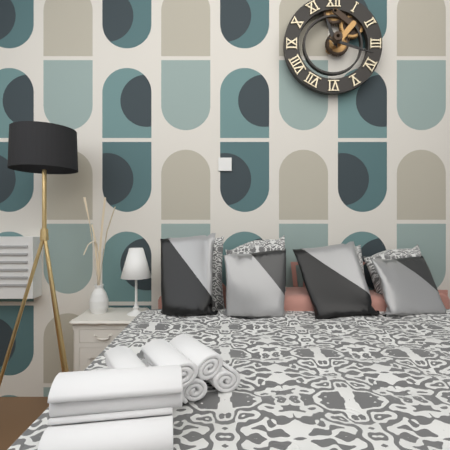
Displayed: 11 h 18 min
